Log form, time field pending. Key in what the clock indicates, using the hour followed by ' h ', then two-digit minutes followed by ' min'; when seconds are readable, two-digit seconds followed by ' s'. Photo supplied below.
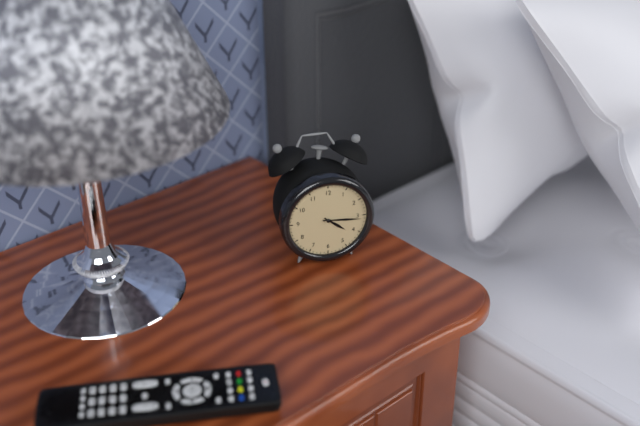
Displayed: 4 h 16 min
